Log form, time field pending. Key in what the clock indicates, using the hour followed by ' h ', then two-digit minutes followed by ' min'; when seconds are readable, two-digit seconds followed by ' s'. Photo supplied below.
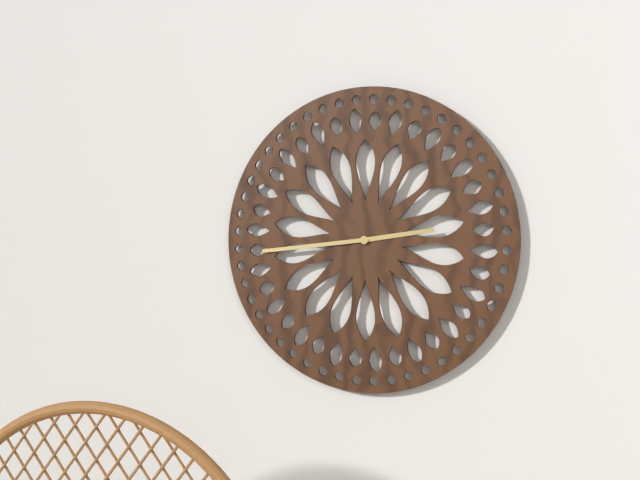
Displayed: 2 h 44 min
